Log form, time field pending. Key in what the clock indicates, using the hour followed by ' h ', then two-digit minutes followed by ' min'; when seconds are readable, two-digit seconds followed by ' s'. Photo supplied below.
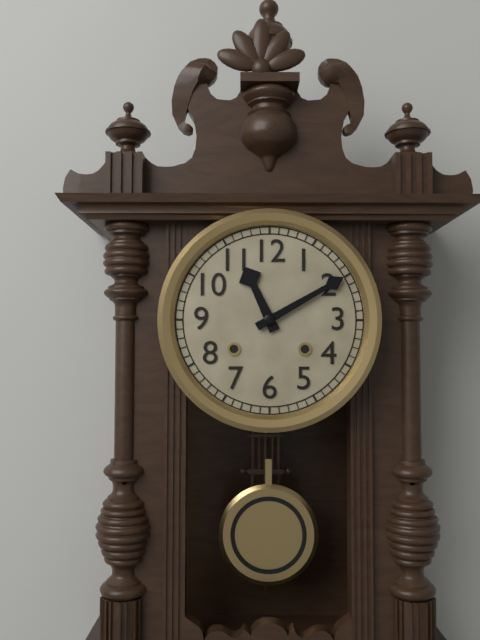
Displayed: 11 h 10 min
